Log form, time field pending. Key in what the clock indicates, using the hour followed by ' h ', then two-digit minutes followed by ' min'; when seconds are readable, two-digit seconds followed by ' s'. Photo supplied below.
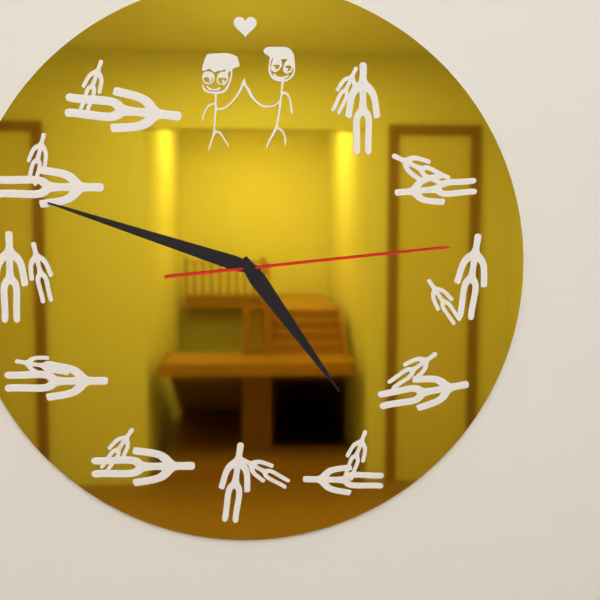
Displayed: 4 h 48 min 14 s
